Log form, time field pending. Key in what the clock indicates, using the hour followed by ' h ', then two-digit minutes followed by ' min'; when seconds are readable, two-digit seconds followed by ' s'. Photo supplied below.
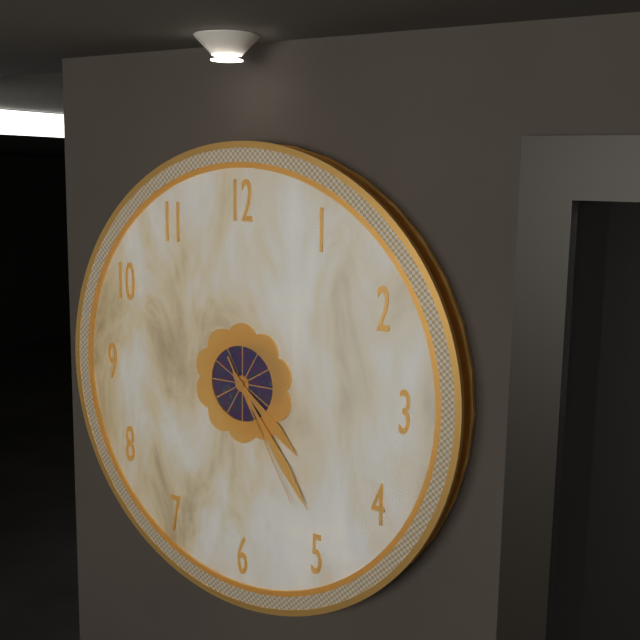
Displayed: 4 h 24 min 25 s
